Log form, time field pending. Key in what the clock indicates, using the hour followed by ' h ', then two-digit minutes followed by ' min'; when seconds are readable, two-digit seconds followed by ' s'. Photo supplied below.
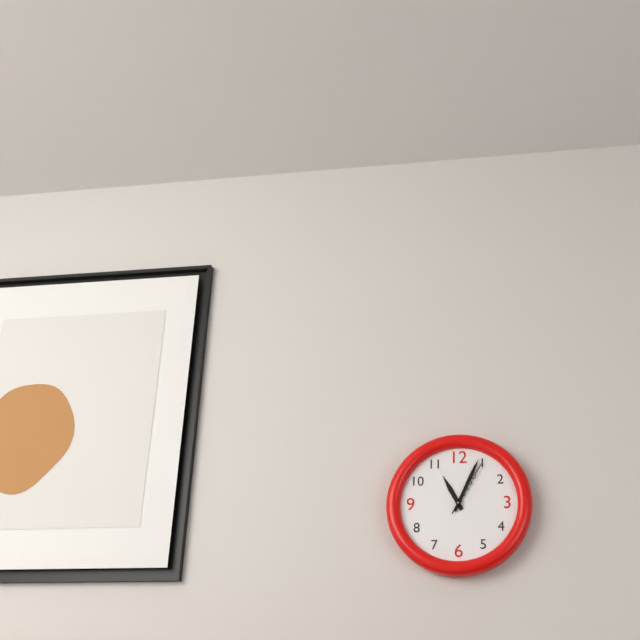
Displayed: 11 h 04 min 05 s
